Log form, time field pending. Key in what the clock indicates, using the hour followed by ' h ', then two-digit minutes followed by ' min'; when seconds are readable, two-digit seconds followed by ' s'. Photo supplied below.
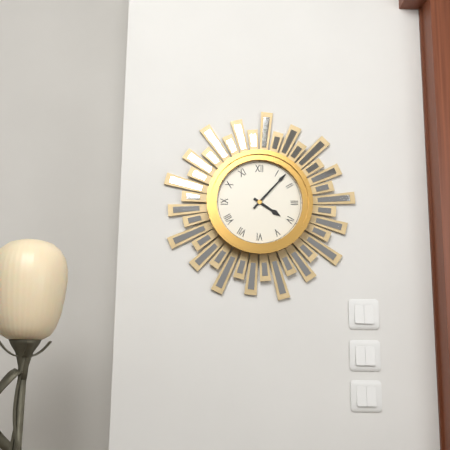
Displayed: 4 h 07 min
